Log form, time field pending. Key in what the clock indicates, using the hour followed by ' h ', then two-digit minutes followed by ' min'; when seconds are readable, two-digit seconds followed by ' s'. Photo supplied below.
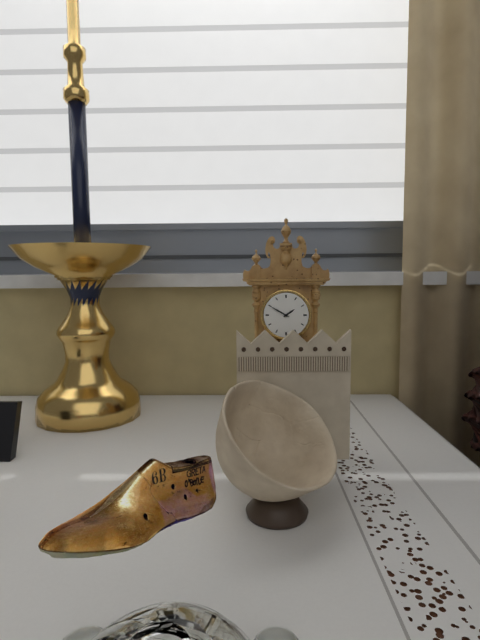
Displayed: 1 h 50 min
